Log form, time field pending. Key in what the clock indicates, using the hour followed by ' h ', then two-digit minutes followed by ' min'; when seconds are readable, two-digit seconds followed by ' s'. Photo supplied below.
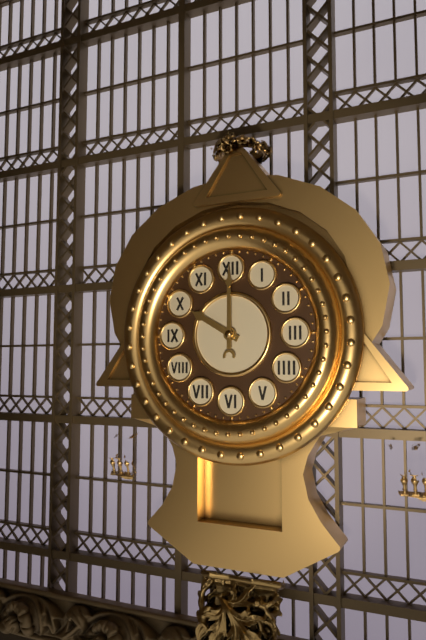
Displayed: 10 h 00 min
